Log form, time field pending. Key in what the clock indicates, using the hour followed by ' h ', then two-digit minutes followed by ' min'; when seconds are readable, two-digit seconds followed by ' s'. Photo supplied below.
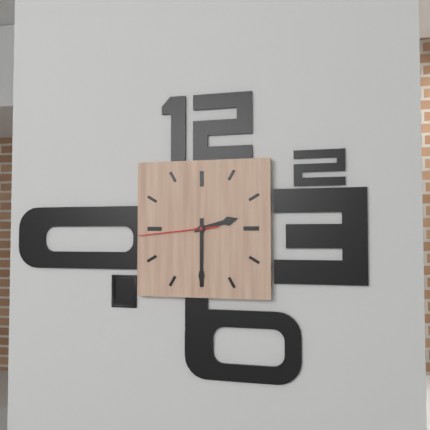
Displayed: 2 h 30 min 44 s
